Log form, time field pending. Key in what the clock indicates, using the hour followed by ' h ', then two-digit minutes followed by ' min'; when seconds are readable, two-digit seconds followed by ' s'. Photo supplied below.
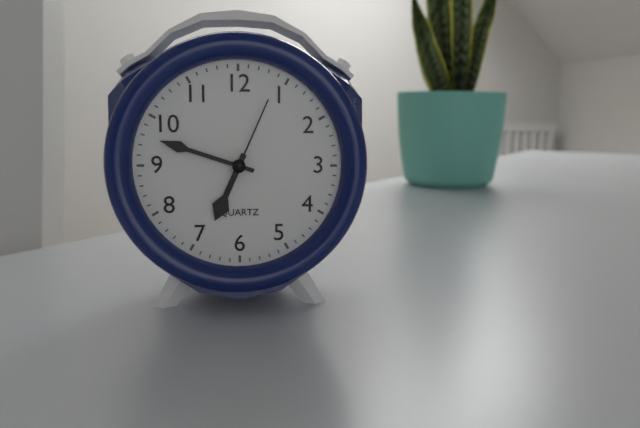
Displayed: 6 h 48 min 04 s
